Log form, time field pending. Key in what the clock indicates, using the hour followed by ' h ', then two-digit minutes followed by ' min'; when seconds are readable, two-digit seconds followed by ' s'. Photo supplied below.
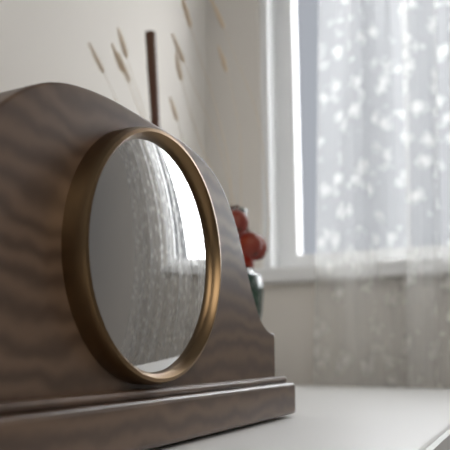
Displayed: 3 h 48 min
